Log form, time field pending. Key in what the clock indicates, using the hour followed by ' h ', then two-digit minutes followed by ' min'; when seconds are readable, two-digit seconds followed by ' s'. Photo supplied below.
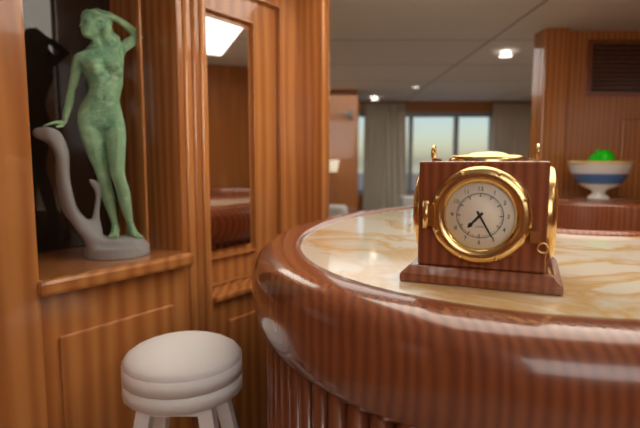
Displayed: 7 h 25 min
